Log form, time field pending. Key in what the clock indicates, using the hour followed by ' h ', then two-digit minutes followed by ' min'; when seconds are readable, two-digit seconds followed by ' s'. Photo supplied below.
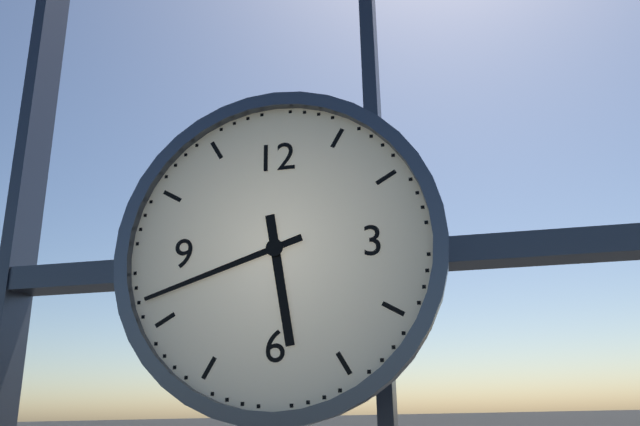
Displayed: 5 h 42 min
